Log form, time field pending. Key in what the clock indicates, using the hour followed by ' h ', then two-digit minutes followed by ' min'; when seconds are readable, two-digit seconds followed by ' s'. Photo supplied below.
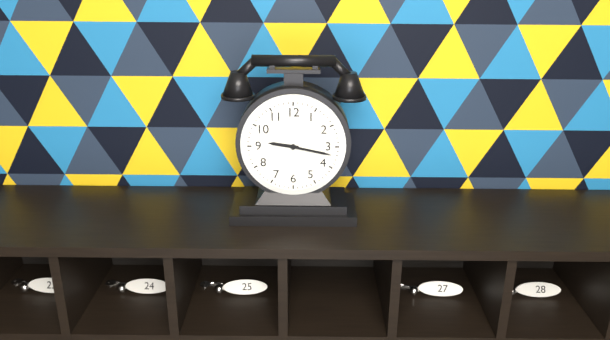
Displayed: 9 h 17 min
